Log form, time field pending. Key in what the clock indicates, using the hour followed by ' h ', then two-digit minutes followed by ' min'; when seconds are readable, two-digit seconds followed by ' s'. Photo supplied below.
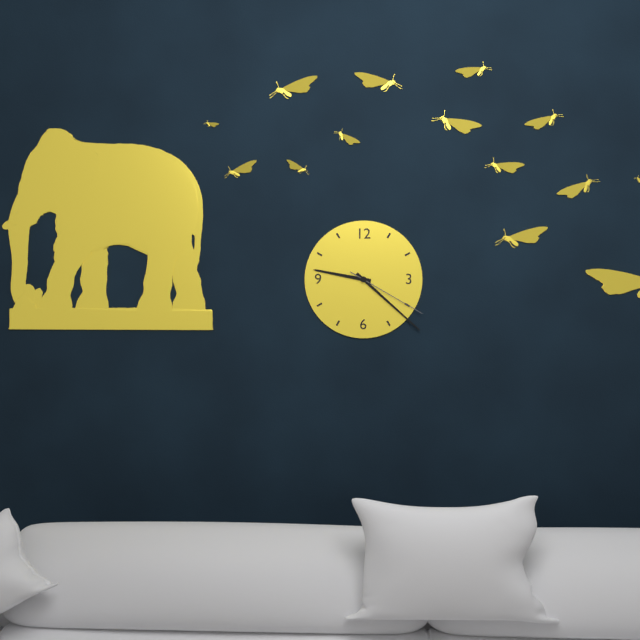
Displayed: 9 h 22 min 20 s
